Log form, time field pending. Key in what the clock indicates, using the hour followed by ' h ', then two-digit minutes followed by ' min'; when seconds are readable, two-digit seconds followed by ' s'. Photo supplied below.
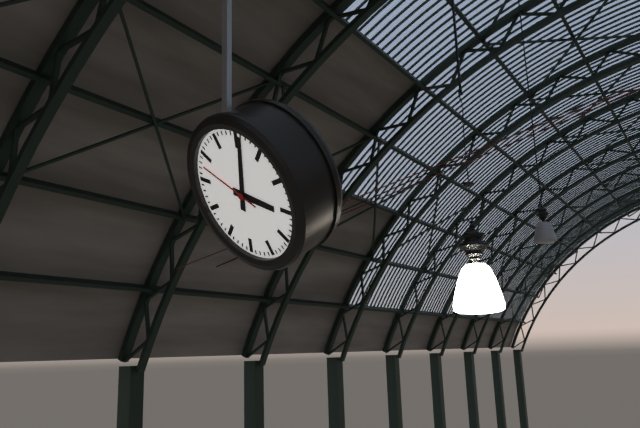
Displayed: 4 h 06 min 53 s
